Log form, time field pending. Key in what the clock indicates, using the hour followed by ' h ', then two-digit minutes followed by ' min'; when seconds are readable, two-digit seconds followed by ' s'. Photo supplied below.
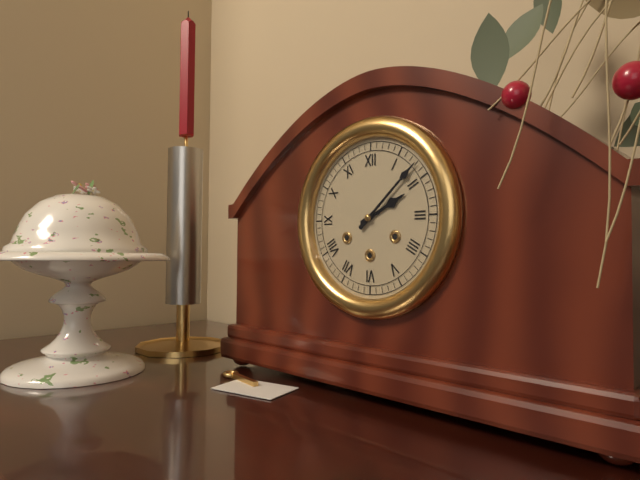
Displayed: 2 h 08 min
